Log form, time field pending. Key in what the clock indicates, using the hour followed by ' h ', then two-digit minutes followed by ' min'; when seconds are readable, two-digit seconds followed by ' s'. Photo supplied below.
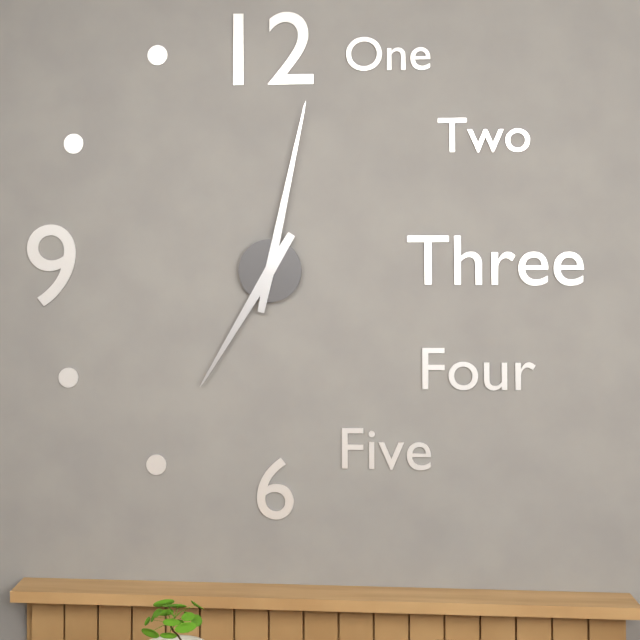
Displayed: 7 h 02 min
